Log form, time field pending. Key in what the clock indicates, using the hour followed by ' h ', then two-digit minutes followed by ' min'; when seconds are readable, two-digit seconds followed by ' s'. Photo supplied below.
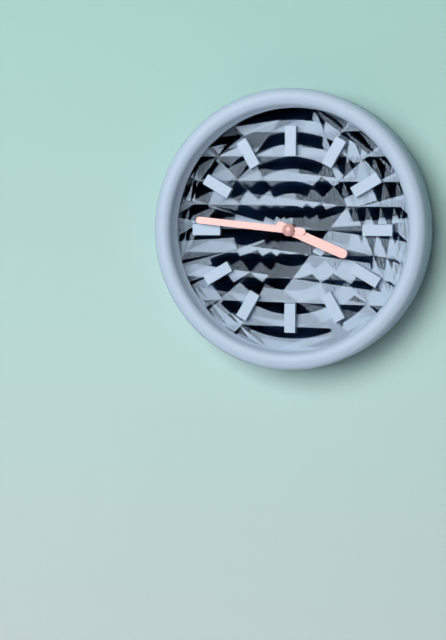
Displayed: 3 h 46 min
